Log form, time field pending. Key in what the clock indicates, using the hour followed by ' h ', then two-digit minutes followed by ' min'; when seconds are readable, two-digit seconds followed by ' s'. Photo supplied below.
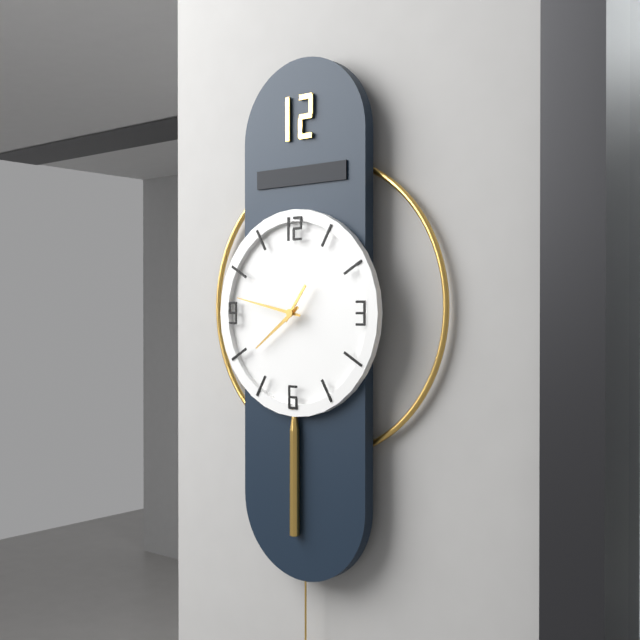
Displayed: 7 h 47 min
